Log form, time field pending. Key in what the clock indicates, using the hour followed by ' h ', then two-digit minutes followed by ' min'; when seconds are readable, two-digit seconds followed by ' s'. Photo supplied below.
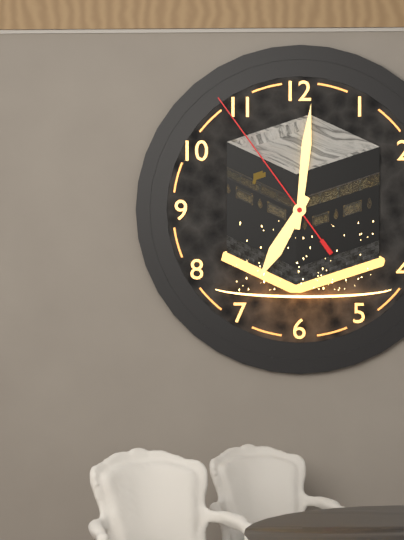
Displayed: 7 h 01 min 54 s
